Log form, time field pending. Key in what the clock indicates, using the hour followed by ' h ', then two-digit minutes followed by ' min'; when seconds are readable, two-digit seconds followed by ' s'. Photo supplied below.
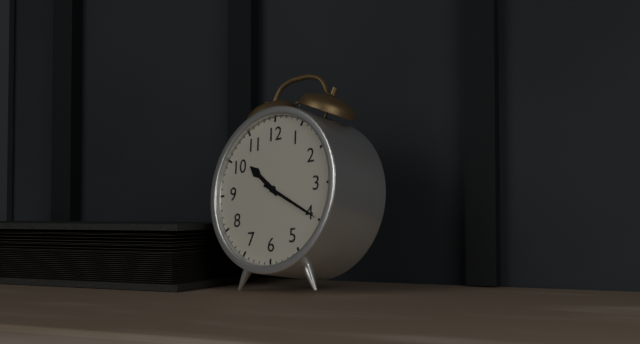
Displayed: 10 h 20 min
